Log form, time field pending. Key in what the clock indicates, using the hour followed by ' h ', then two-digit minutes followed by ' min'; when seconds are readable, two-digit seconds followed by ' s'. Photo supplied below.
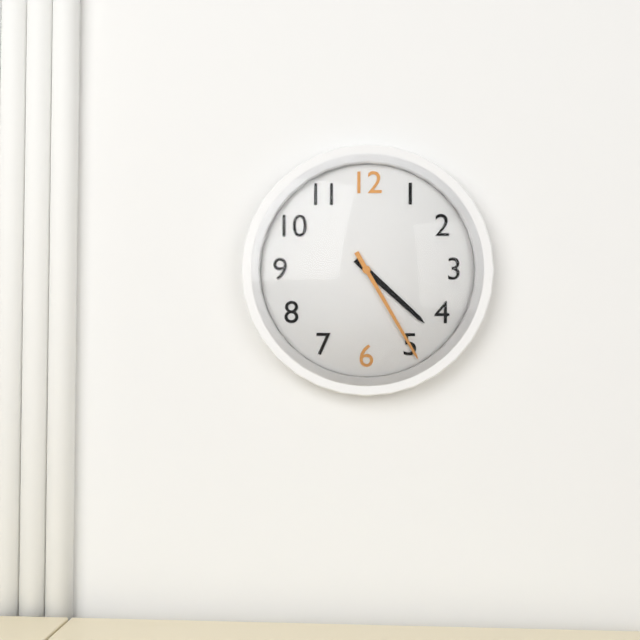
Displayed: 4 h 25 min
